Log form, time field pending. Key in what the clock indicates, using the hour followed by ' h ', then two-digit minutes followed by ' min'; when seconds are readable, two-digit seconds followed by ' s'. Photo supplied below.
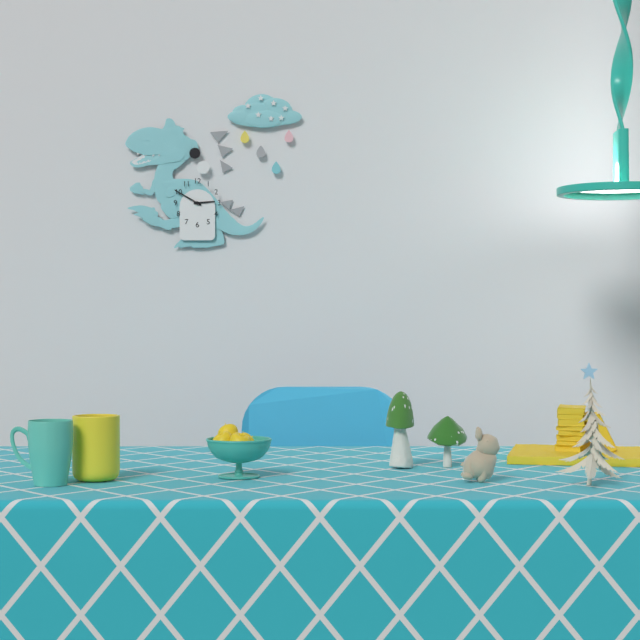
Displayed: 2 h 50 min
